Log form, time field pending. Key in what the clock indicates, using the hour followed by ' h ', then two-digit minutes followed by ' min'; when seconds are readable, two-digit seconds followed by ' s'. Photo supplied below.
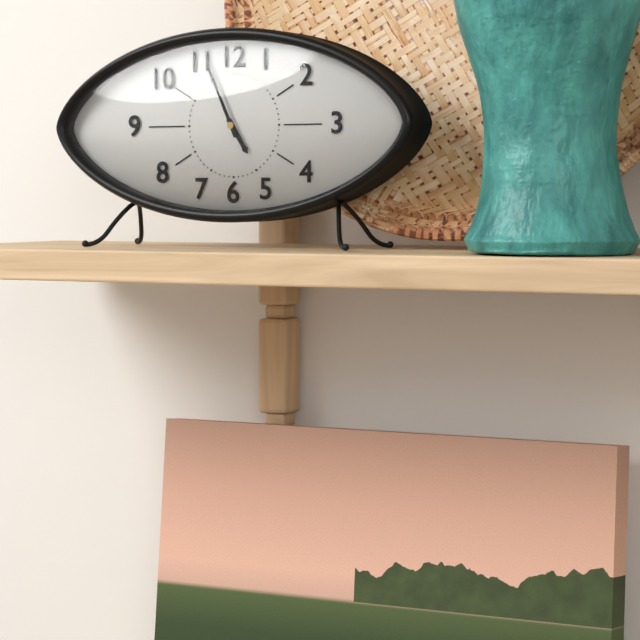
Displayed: 4 h 56 min
